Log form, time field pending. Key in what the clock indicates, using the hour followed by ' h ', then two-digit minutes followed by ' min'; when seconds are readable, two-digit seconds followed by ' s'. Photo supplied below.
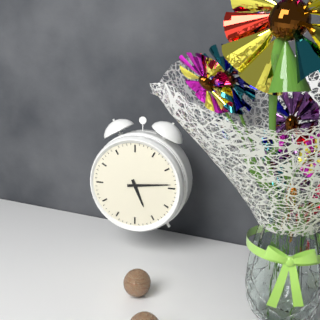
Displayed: 5 h 14 min
